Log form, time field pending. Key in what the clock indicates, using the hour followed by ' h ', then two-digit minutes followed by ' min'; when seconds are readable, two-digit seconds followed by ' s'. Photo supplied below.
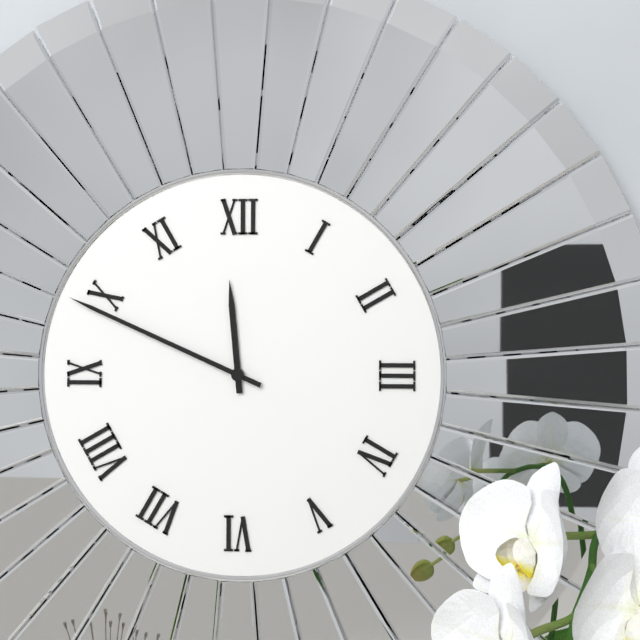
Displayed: 11 h 49 min
